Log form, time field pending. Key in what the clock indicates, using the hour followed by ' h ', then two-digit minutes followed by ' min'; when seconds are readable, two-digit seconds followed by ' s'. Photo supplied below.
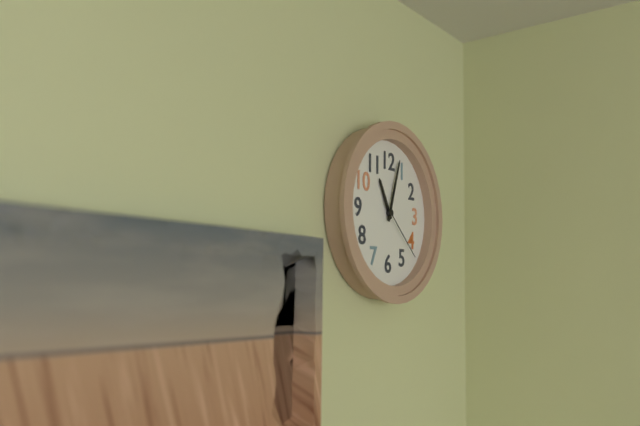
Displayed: 11 h 03 min 22 s
